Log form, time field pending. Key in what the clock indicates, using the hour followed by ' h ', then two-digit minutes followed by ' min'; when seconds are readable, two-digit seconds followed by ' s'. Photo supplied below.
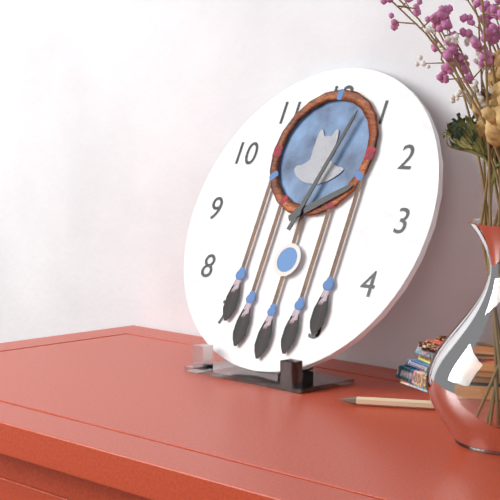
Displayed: 2 h 03 min
